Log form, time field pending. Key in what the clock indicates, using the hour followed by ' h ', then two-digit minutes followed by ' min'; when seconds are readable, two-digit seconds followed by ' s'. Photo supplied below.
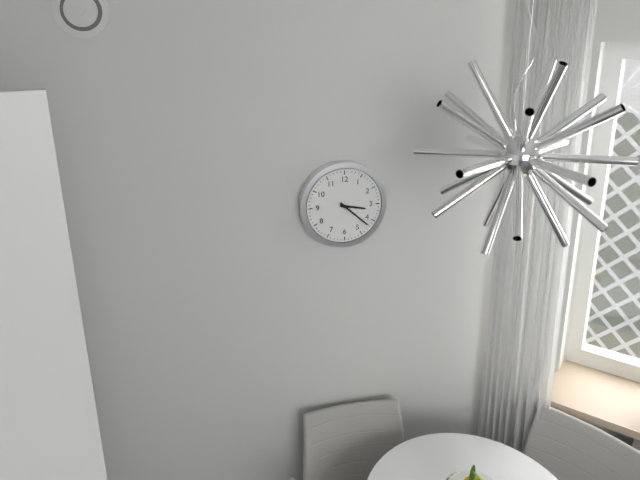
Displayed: 3 h 22 min
